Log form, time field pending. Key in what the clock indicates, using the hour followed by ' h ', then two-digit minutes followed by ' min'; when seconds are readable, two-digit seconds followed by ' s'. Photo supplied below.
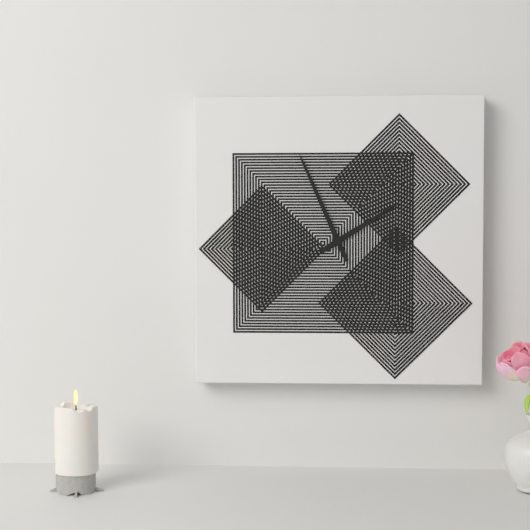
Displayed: 1 h 56 min
